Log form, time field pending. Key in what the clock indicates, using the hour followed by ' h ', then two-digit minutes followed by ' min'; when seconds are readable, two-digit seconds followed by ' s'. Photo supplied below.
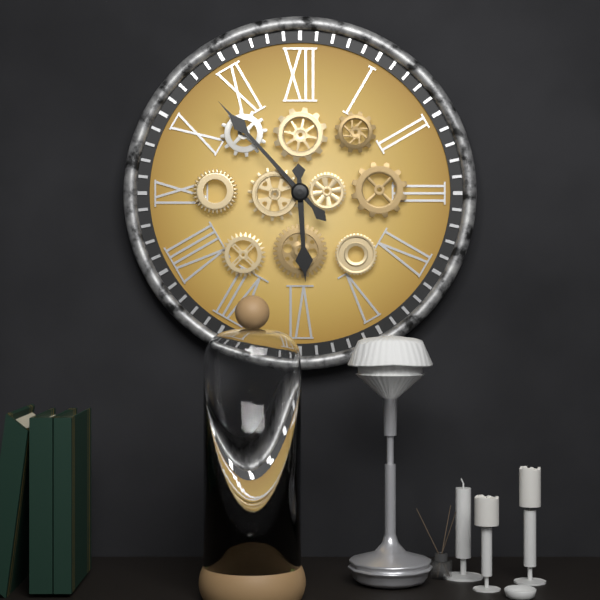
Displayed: 5 h 53 min
